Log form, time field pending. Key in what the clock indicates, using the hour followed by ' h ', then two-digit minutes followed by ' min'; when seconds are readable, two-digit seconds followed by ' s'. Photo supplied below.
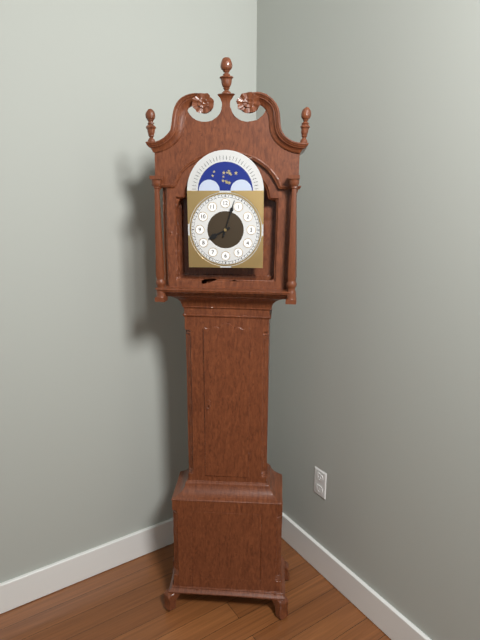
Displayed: 8 h 03 min
